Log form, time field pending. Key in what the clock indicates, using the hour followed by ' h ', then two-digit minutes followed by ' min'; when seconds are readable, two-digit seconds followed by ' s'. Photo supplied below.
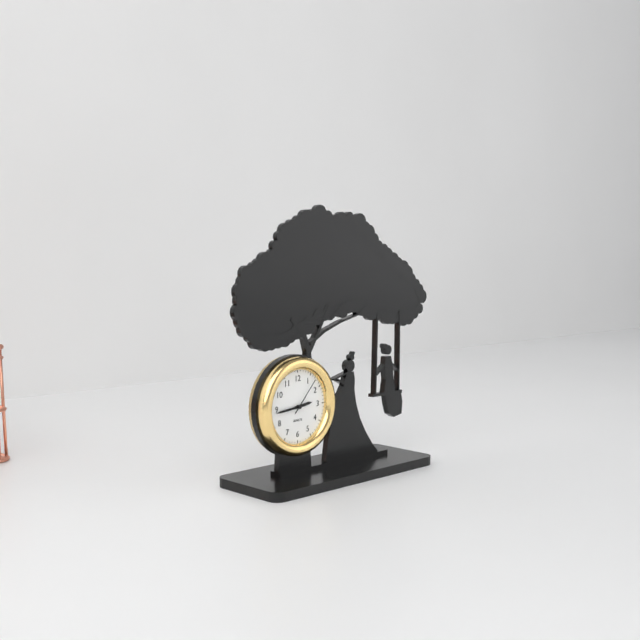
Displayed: 2 h 44 min
